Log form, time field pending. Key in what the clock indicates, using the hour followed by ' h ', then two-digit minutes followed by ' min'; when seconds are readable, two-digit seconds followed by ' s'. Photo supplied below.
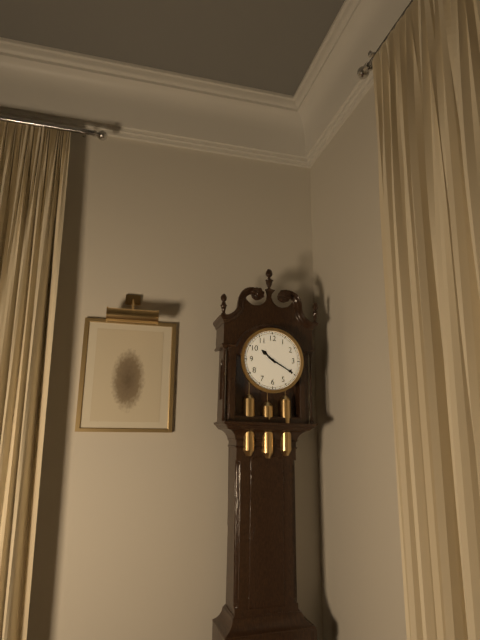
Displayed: 10 h 20 min
